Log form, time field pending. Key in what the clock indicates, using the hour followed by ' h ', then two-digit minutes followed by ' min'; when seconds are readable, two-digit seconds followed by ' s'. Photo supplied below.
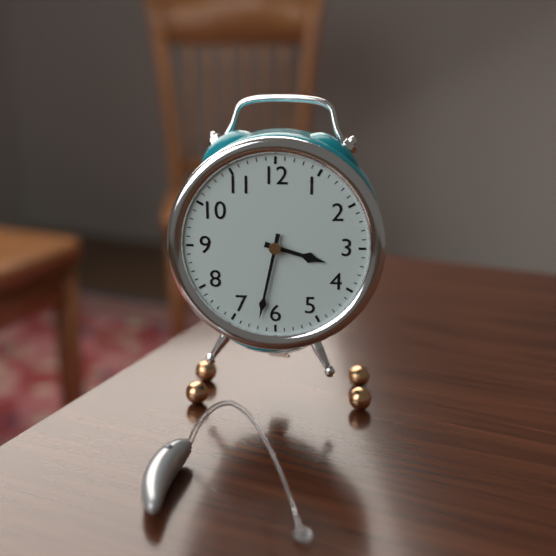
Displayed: 3 h 32 min
